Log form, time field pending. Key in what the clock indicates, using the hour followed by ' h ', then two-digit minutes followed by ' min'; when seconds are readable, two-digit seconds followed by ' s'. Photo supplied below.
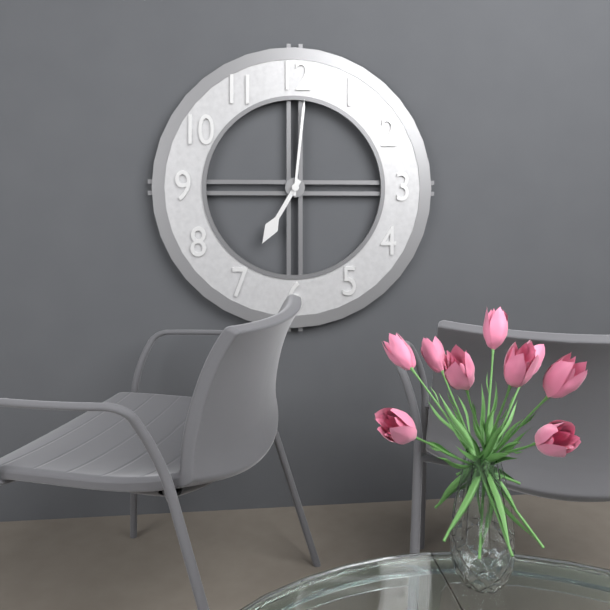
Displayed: 7 h 01 min
